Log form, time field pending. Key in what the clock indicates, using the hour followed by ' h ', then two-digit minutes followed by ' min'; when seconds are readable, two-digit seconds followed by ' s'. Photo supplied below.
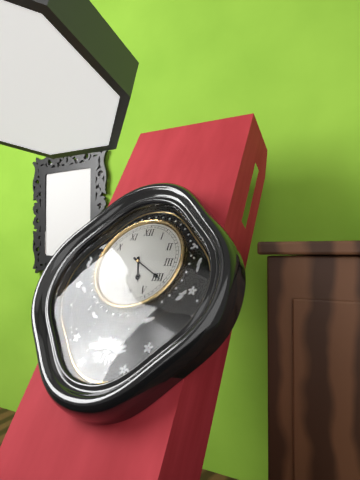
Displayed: 5 h 20 min
